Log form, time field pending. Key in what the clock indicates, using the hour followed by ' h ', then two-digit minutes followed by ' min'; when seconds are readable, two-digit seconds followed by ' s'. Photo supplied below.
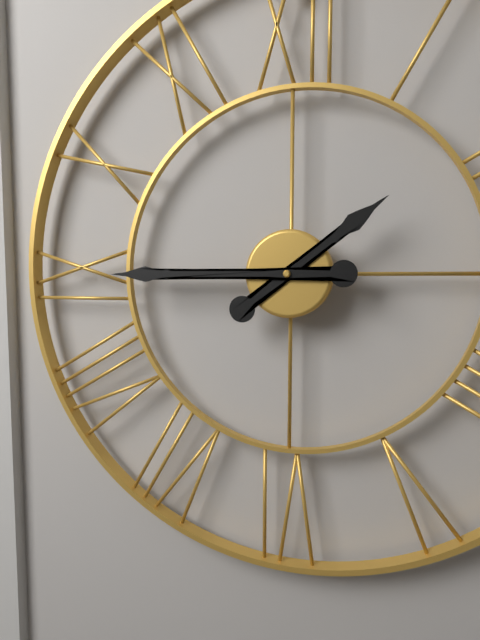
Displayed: 1 h 45 min
